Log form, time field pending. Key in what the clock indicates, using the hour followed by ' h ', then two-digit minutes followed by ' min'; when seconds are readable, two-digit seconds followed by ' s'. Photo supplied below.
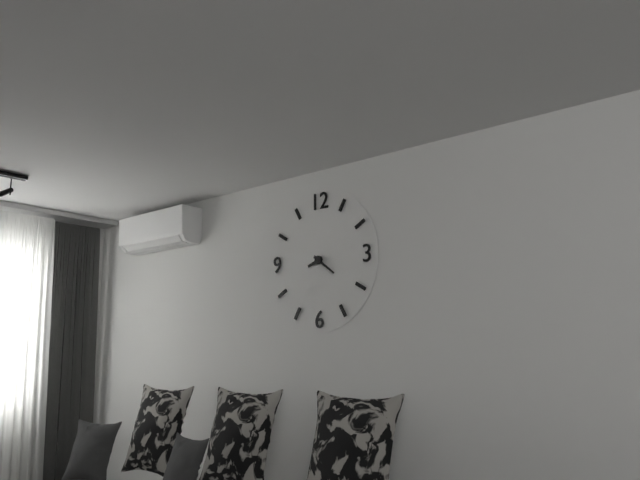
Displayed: 8 h 21 min
